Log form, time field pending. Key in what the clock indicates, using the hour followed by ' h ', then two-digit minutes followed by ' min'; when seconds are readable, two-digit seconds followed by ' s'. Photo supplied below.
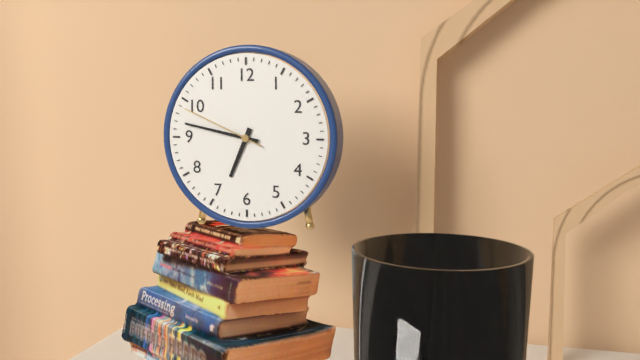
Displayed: 6 h 47 min 49 s
